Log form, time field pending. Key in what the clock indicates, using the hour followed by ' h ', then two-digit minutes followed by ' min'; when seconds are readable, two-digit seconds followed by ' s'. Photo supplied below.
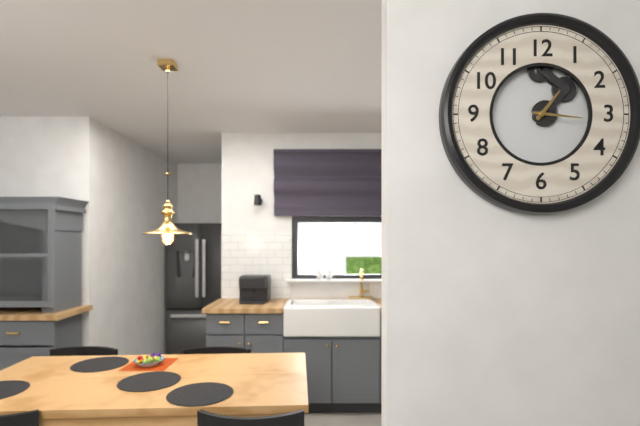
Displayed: 1 h 16 min
